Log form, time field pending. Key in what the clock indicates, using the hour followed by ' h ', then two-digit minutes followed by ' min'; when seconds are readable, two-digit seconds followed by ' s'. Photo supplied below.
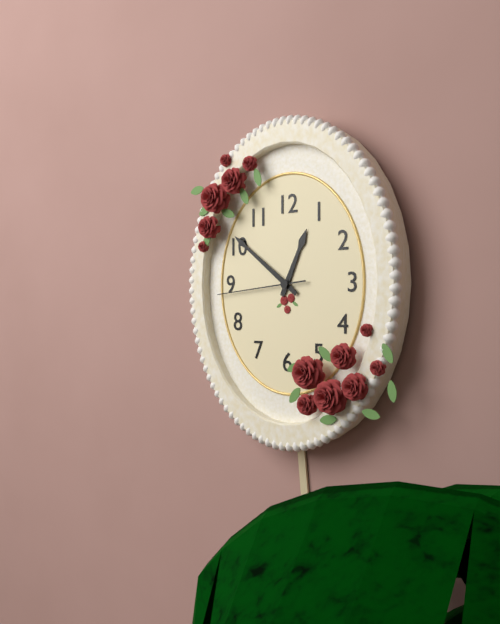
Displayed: 12 h 51 min 44 s
